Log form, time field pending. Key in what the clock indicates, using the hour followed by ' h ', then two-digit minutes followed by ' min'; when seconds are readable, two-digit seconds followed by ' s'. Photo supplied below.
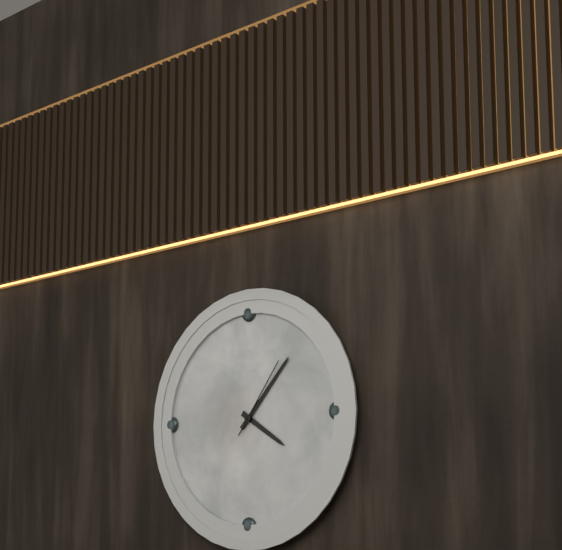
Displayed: 4 h 07 min 06 s
